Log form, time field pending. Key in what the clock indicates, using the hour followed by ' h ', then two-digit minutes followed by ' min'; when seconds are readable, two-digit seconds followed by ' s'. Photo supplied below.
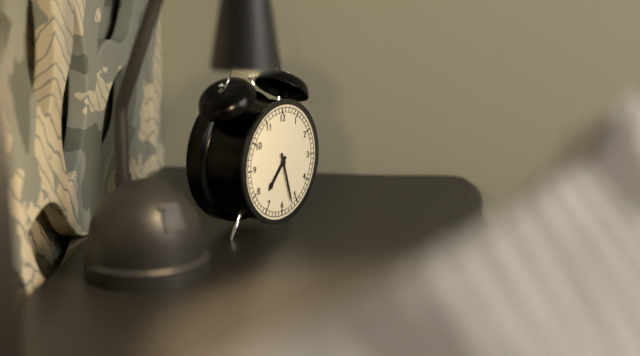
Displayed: 7 h 27 min
